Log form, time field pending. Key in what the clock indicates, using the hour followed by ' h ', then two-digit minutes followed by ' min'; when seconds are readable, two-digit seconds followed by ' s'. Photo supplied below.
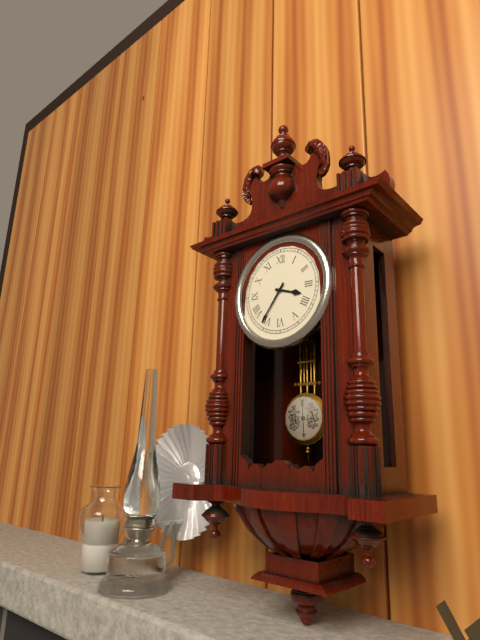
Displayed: 3 h 36 min
